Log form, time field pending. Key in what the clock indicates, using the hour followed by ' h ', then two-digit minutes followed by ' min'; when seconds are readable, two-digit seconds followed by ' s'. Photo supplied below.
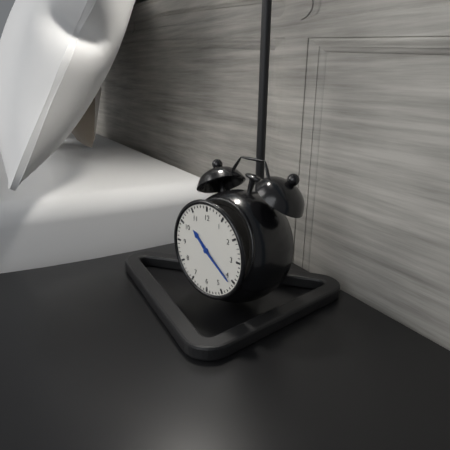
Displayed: 10 h 21 min
